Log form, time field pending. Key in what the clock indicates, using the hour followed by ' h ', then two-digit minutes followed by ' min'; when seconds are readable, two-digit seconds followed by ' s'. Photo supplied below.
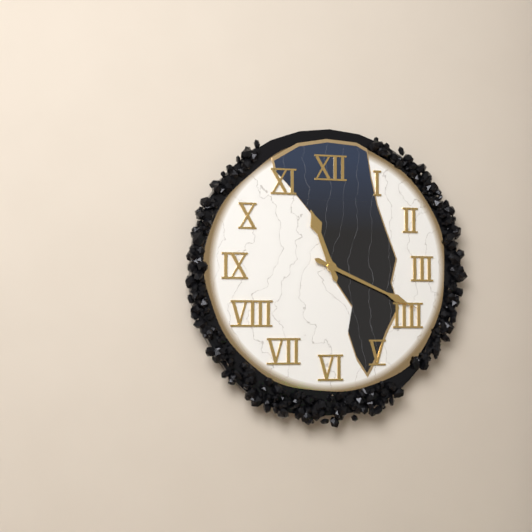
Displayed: 11 h 19 min
